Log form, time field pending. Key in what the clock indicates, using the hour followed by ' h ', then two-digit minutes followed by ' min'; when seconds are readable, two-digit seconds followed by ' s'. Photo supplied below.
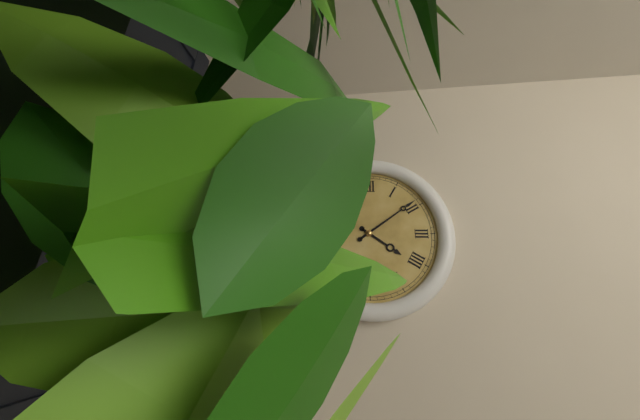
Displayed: 4 h 09 min
